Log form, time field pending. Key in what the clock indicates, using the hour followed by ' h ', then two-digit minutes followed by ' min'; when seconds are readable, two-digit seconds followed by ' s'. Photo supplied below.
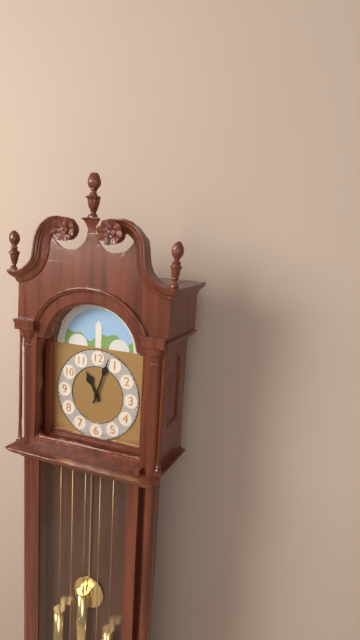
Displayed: 11 h 03 min
